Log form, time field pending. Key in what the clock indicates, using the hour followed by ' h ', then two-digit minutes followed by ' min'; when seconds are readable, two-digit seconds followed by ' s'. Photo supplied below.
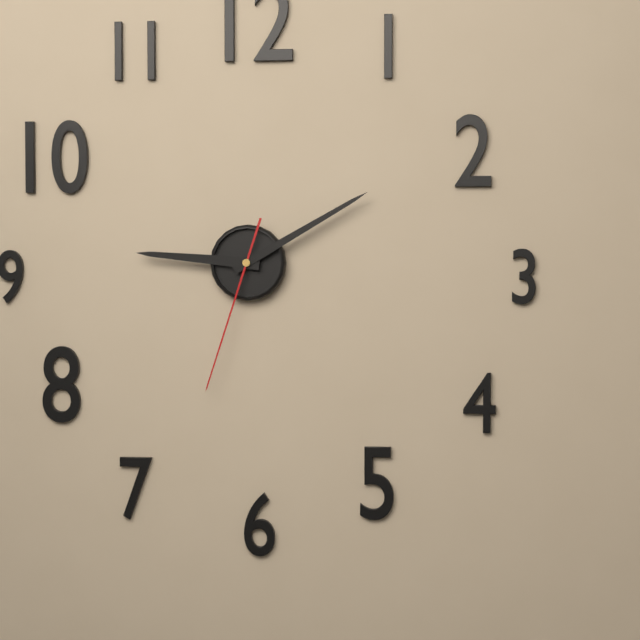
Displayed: 9 h 10 min 33 s
